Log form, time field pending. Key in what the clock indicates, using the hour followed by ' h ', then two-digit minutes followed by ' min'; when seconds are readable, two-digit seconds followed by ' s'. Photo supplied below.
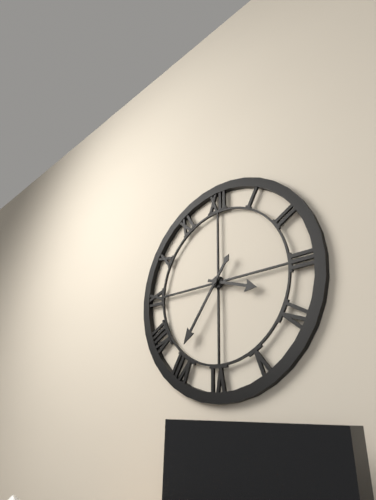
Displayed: 3 h 36 min
